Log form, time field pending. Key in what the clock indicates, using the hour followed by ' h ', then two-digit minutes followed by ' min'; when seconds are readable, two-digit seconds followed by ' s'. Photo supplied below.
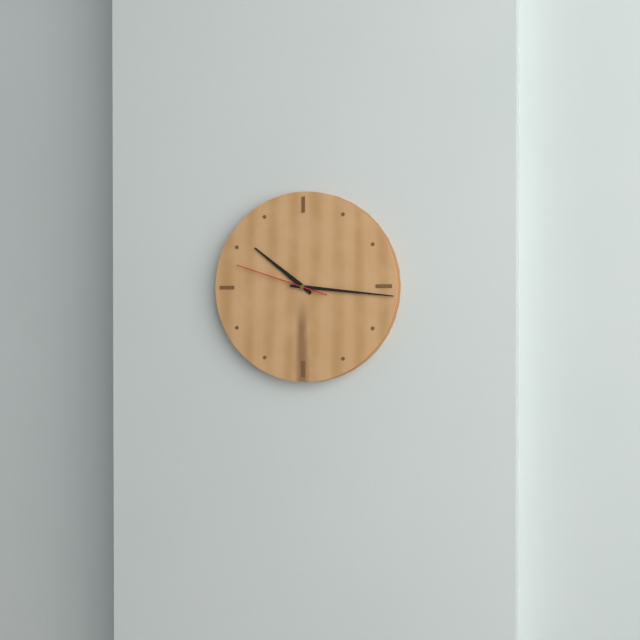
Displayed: 10 h 16 min 48 s
